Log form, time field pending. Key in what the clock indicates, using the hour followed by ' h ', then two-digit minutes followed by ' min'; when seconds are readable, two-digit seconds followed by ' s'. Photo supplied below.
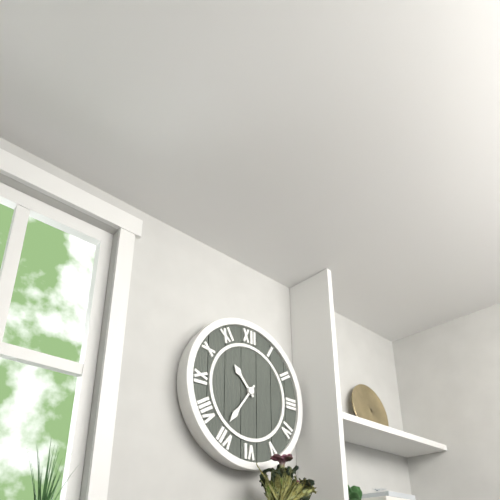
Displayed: 10 h 36 min
